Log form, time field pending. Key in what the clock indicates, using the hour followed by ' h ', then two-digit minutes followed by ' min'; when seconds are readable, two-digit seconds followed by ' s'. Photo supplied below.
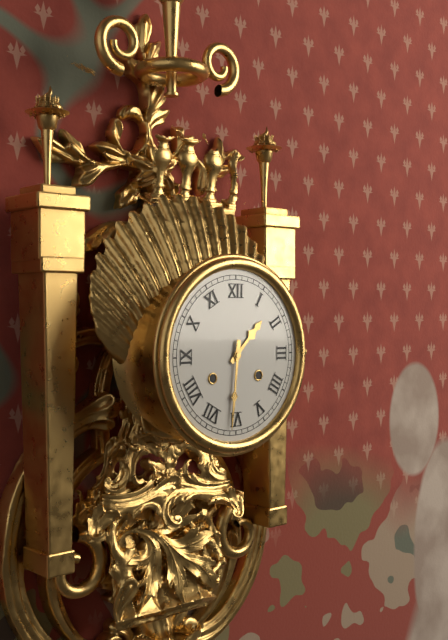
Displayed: 1 h 31 min
